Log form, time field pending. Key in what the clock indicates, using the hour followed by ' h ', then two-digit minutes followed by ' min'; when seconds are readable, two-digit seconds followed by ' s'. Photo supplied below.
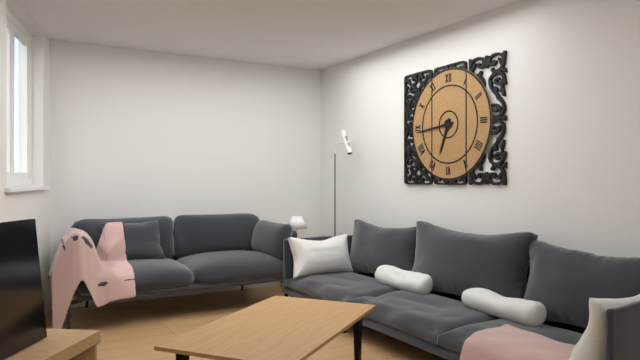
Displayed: 6 h 44 min
